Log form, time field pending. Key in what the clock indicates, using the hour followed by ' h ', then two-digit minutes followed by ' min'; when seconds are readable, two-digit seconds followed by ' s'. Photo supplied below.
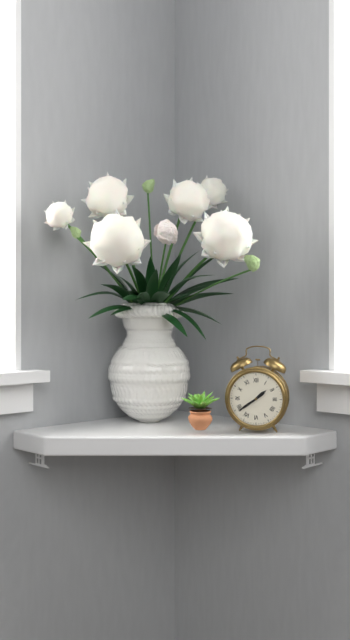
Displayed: 1 h 39 min
